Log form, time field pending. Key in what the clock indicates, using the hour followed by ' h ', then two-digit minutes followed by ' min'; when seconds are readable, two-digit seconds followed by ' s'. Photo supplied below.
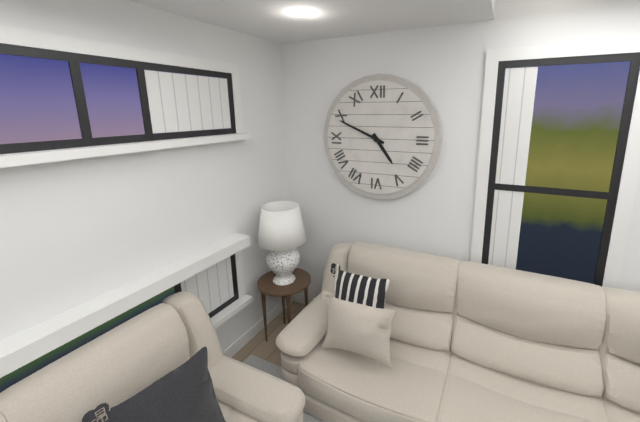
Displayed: 4 h 49 min
